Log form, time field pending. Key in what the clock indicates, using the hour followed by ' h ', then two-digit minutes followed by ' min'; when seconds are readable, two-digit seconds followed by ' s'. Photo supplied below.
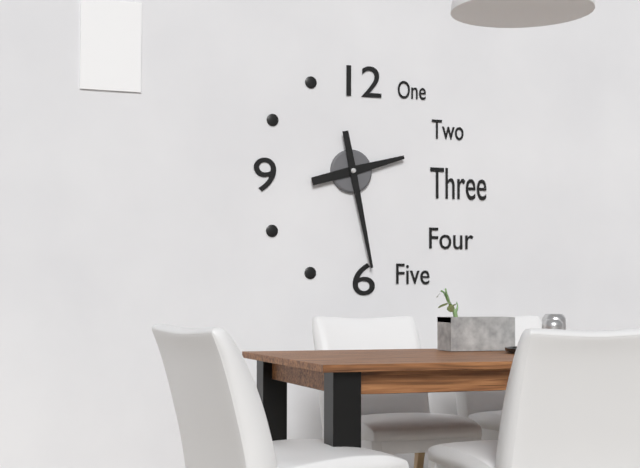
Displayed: 2 h 28 min
